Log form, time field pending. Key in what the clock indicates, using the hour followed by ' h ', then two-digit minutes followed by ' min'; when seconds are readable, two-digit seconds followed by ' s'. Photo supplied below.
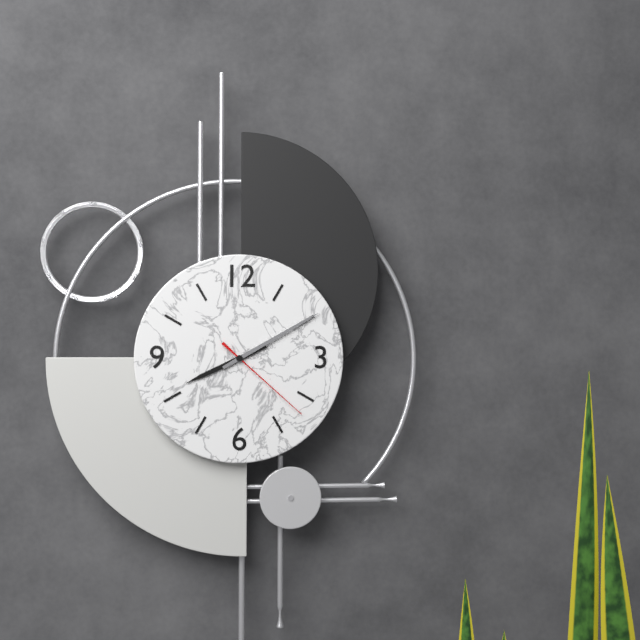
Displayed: 8 h 10 min 22 s
